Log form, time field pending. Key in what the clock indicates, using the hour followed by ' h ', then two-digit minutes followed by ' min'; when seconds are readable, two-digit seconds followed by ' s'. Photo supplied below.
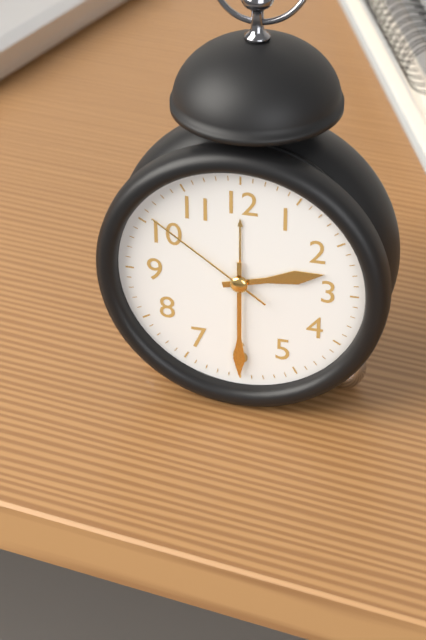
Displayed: 2 h 30 min 51 s
